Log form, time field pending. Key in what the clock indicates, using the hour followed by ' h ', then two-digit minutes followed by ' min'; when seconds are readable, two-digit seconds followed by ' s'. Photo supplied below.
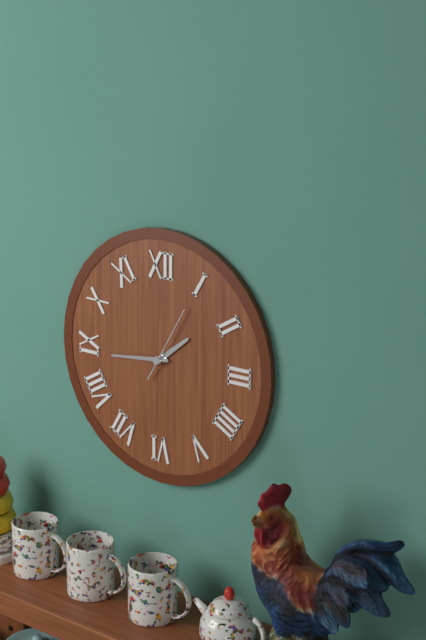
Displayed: 1 h 44 min 05 s
